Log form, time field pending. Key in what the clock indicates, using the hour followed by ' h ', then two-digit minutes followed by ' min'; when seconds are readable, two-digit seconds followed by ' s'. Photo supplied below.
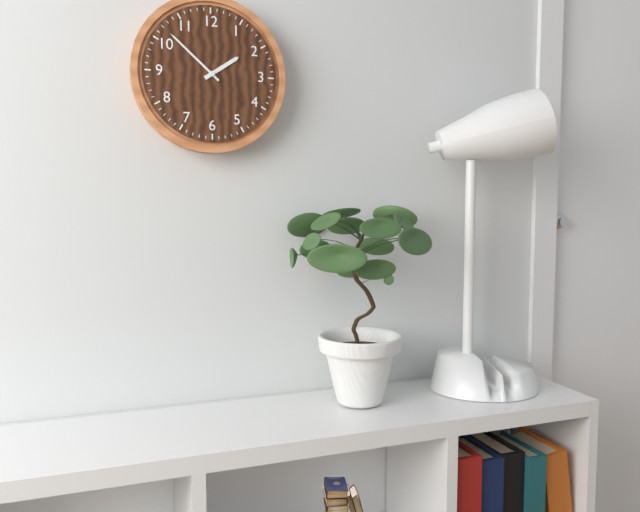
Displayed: 1 h 52 min
